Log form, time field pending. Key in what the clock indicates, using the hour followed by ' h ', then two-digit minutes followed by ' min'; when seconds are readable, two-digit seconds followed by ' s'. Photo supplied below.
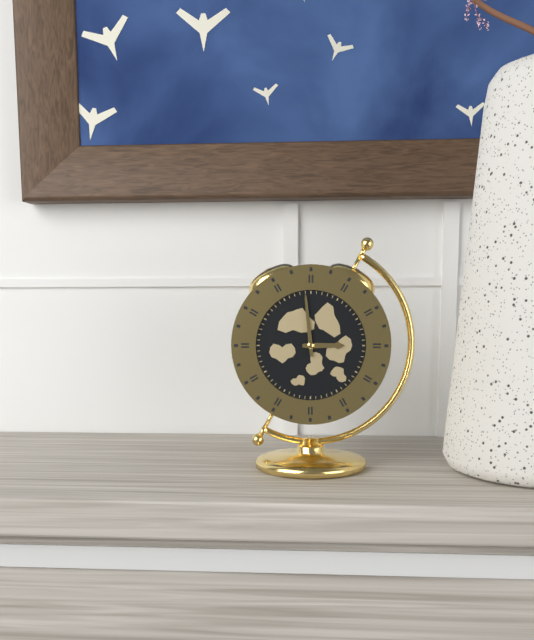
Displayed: 2 h 59 min
